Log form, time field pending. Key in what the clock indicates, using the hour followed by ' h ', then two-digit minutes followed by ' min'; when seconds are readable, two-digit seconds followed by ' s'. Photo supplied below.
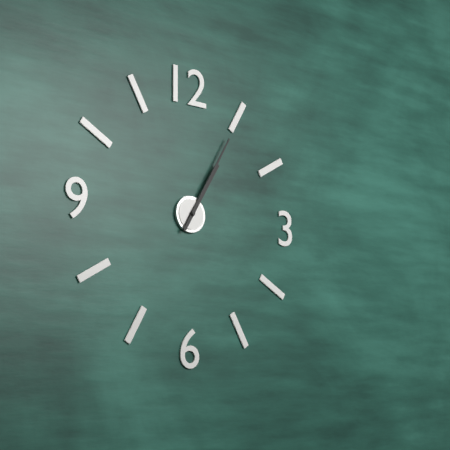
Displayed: 1 h 05 min
